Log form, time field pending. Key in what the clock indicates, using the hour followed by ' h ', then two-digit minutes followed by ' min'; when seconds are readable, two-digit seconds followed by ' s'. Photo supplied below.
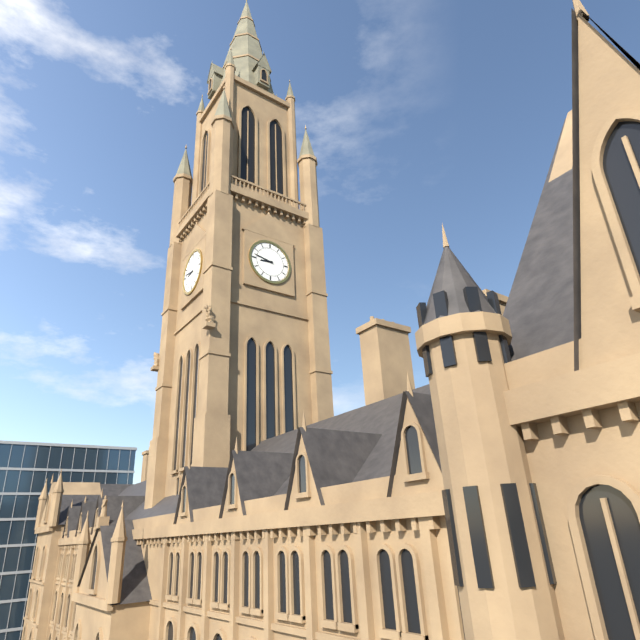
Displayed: 8 h 47 min
